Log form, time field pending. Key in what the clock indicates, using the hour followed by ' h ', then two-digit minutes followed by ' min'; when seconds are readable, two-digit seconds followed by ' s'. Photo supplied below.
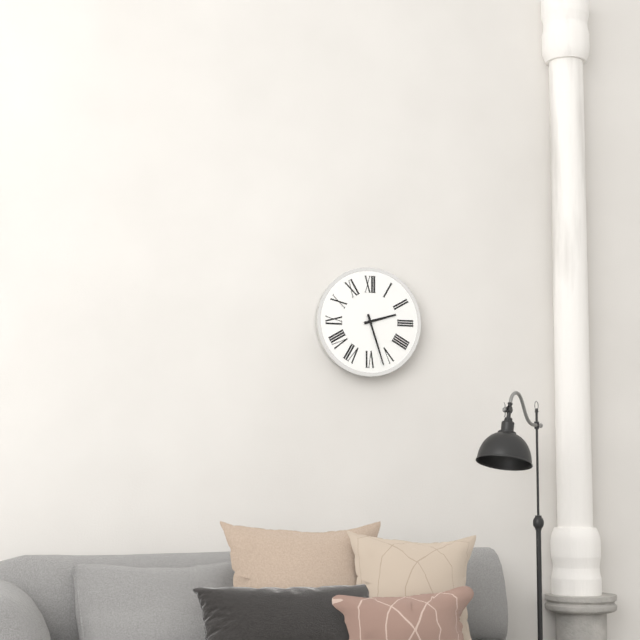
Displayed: 2 h 27 min
